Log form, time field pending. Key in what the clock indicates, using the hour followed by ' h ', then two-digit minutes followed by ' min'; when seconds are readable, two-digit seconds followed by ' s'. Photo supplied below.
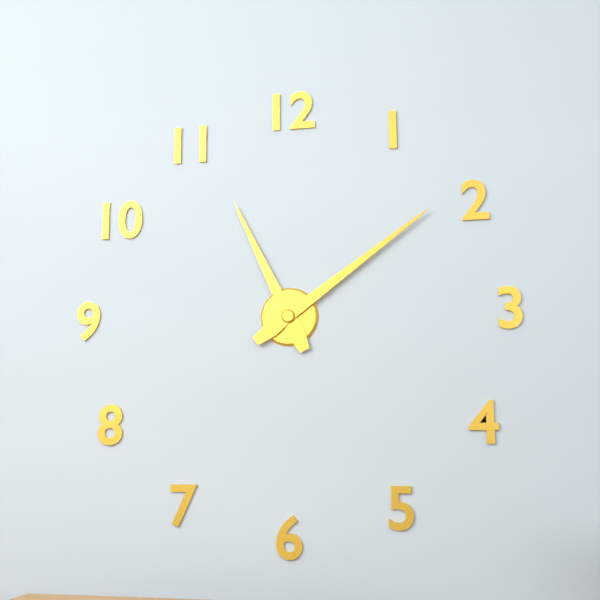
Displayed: 11 h 09 min
